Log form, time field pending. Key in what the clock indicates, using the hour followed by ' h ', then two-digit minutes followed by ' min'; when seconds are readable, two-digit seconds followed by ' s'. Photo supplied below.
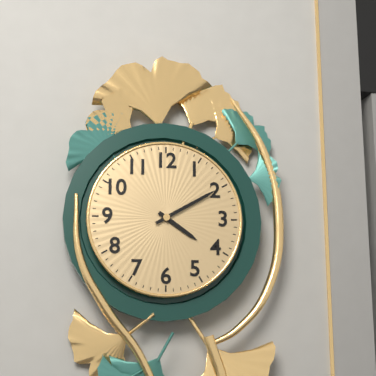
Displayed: 4 h 10 min
